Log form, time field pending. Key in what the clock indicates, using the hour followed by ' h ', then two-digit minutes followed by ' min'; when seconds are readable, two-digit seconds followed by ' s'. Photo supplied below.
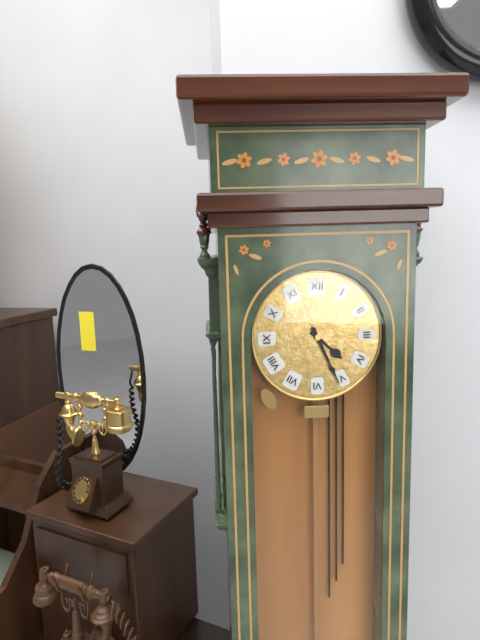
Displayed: 4 h 26 min
